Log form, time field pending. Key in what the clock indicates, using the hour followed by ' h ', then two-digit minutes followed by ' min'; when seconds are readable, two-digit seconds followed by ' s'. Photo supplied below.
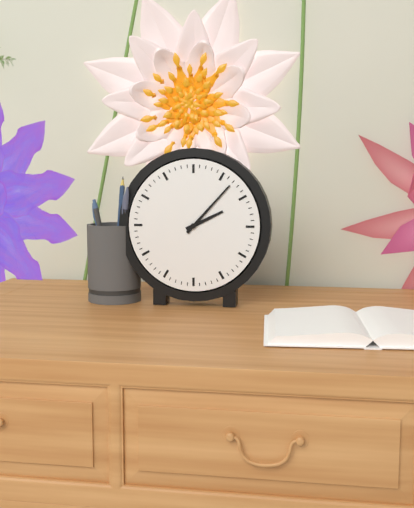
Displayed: 2 h 07 min
